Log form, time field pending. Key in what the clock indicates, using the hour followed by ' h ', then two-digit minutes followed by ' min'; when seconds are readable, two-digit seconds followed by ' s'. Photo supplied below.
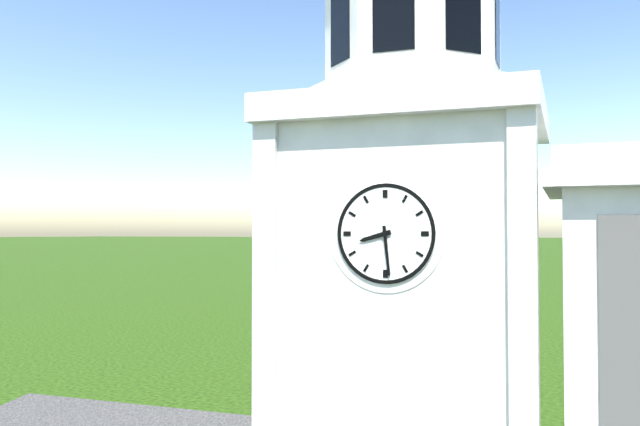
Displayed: 8 h 29 min
